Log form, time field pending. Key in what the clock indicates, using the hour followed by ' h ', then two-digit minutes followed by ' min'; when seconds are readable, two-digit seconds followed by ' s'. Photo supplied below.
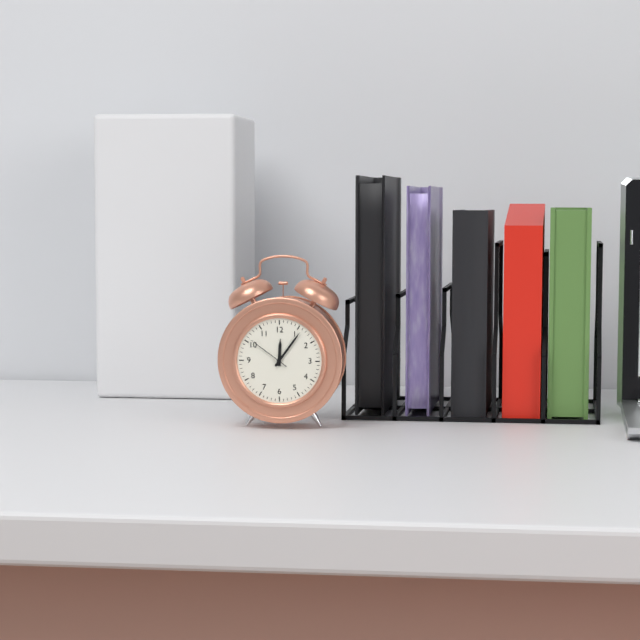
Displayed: 12 h 06 min
